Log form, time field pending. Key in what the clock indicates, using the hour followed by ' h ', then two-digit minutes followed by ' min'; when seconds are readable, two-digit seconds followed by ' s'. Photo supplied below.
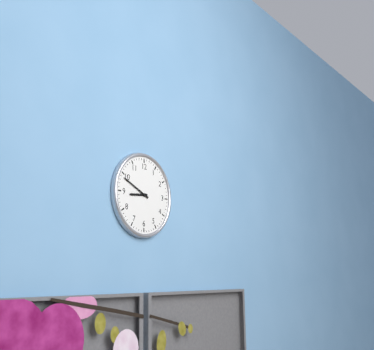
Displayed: 8 h 49 min
